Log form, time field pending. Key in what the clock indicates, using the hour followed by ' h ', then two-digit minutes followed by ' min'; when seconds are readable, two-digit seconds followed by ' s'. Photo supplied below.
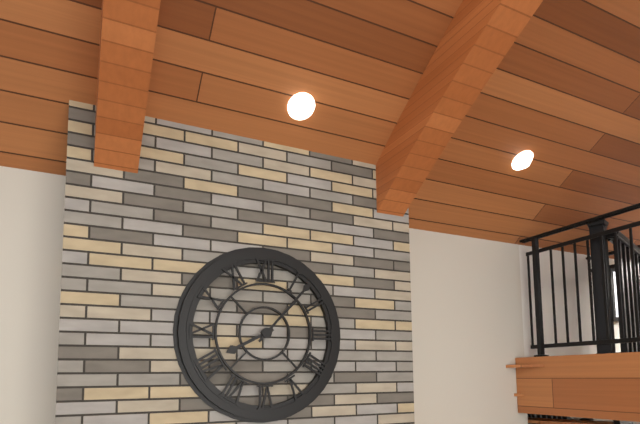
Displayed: 8 h 07 min
